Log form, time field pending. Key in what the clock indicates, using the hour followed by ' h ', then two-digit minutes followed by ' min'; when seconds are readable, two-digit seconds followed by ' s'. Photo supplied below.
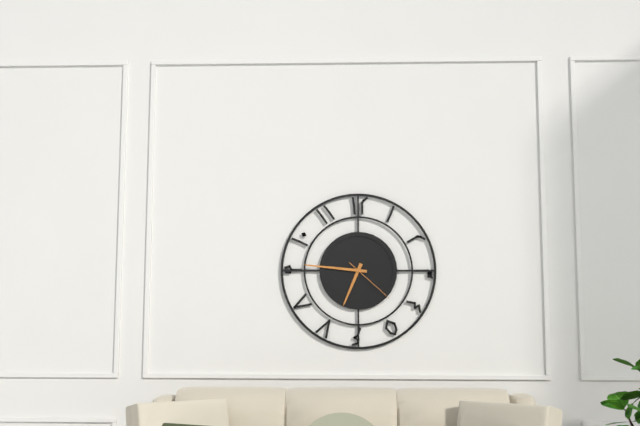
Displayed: 6 h 46 min 22 s
